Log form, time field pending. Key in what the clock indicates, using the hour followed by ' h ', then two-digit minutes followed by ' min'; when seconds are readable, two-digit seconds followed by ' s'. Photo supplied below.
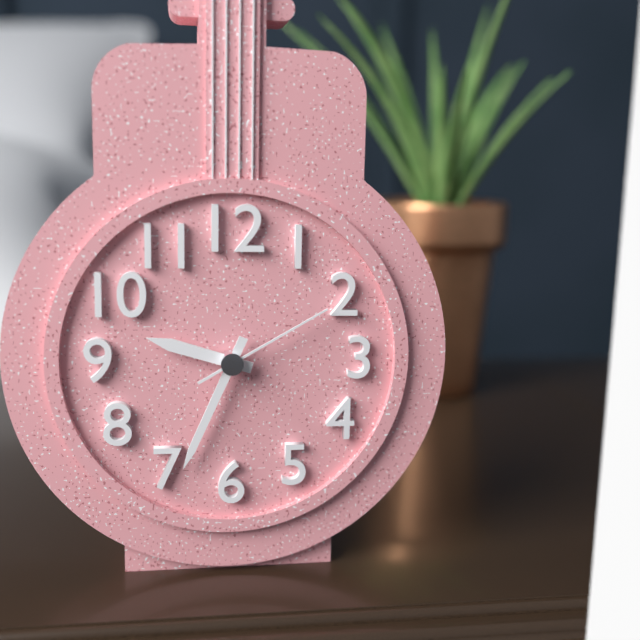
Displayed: 9 h 34 min 10 s
